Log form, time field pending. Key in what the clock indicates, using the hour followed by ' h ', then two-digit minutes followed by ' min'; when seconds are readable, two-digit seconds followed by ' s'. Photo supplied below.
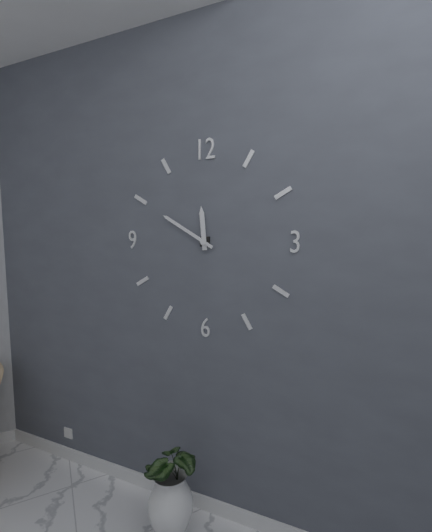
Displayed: 11 h 50 min
